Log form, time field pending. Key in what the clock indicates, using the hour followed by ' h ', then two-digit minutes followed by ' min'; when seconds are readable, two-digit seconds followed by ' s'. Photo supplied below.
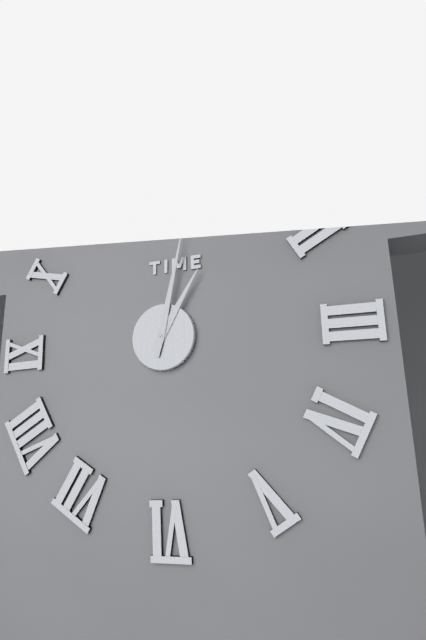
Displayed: 1 h 02 min
